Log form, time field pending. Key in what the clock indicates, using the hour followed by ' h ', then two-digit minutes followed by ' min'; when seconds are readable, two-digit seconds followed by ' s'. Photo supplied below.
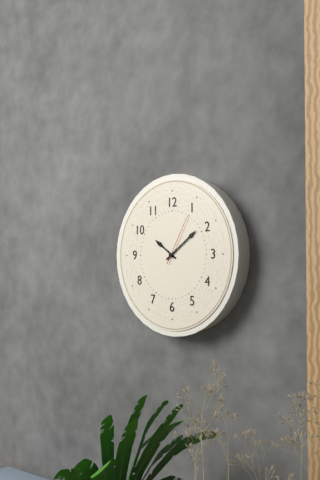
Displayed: 10 h 09 min 05 s
